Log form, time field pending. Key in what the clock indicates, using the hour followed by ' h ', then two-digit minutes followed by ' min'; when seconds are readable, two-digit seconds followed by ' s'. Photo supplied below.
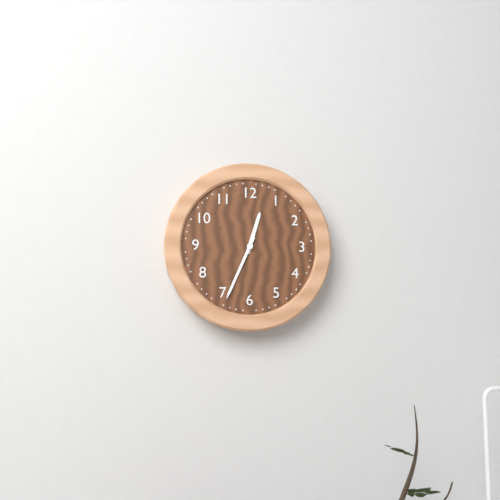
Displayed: 12 h 34 min
